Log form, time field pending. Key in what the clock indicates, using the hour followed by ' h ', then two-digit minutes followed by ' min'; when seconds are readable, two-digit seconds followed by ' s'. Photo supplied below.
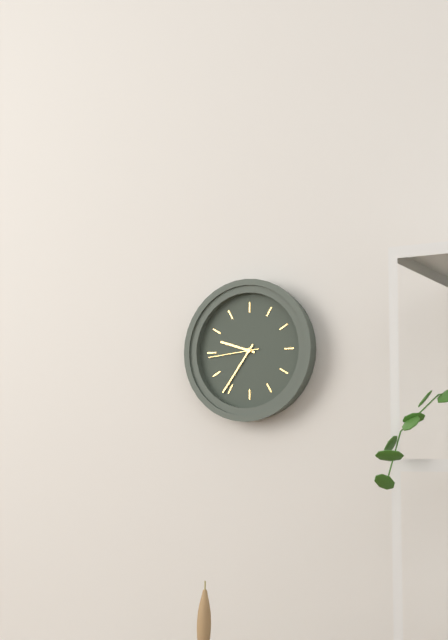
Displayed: 9 h 36 min 44 s
